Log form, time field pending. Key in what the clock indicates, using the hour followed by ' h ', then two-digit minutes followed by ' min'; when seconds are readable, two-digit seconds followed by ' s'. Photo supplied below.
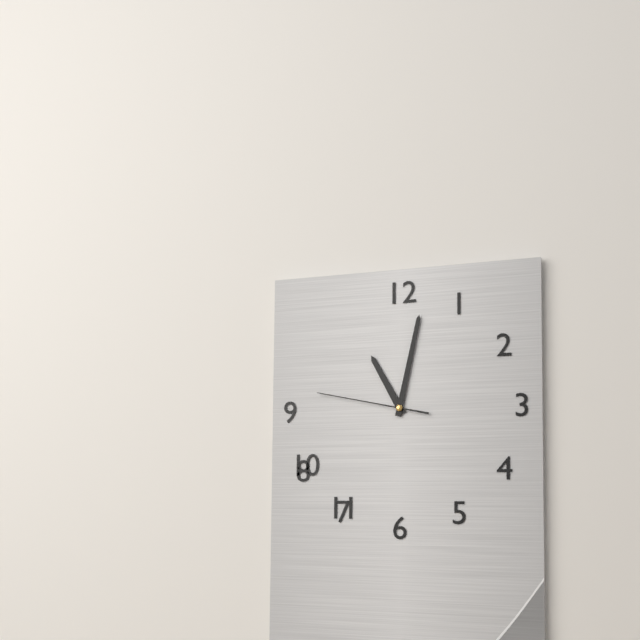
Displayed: 11 h 02 min 47 s
